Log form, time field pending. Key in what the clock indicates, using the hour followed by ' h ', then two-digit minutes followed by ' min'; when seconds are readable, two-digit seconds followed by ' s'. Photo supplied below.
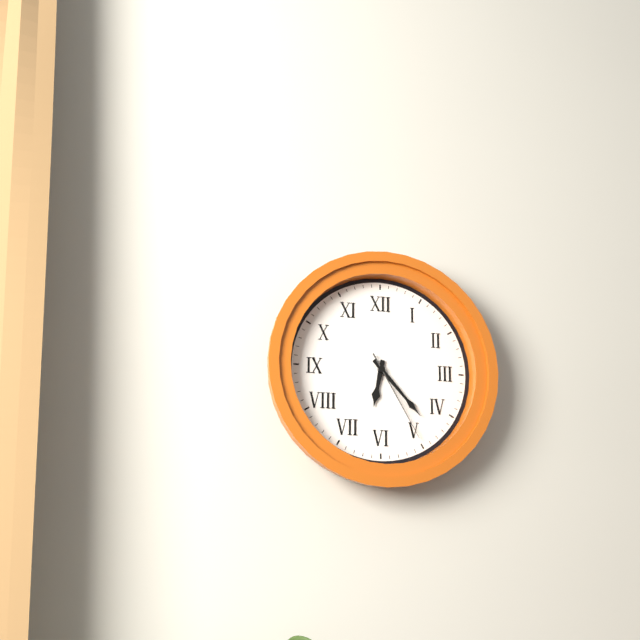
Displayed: 6 h 23 min 25 s
